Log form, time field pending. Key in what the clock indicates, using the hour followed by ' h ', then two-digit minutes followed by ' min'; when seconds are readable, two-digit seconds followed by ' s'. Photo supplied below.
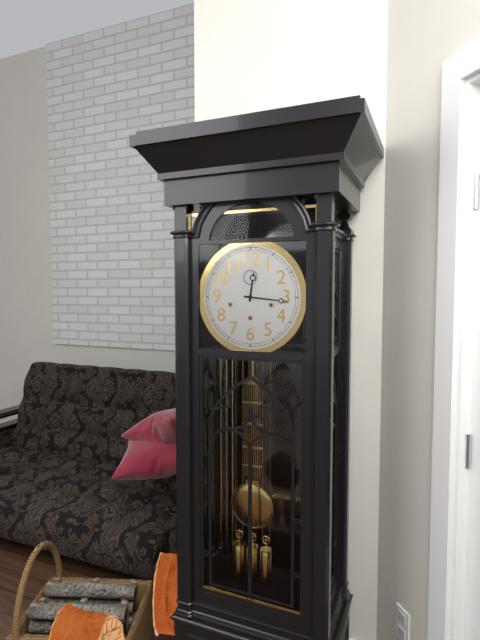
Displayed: 12 h 16 min
